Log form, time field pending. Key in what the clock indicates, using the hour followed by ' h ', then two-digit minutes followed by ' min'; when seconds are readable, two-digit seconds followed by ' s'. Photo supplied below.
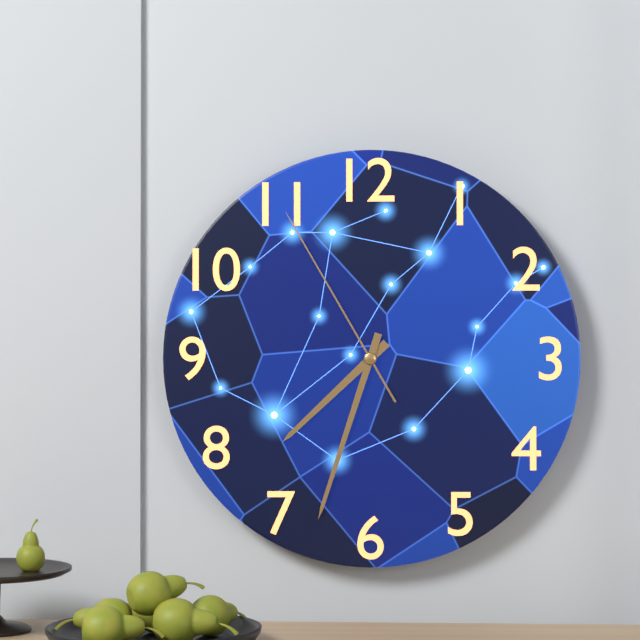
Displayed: 7 h 33 min 55 s
